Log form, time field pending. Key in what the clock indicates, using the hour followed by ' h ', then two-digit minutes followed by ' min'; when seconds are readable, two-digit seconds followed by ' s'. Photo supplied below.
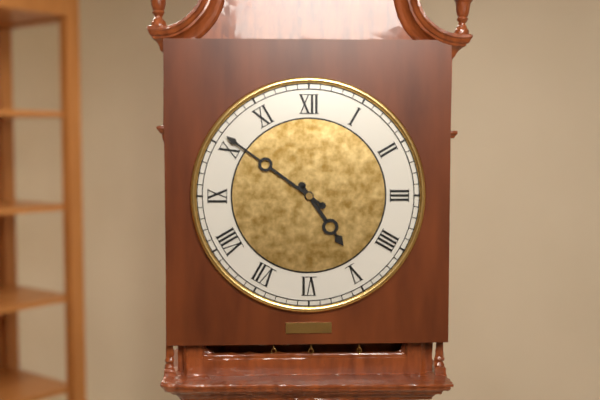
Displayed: 4 h 51 min
